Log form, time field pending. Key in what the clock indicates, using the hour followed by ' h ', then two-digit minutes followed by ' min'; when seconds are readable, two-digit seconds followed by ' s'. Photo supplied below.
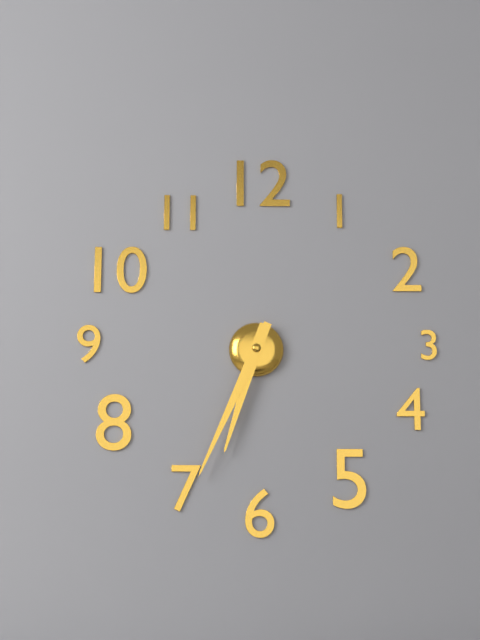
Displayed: 6 h 34 min
